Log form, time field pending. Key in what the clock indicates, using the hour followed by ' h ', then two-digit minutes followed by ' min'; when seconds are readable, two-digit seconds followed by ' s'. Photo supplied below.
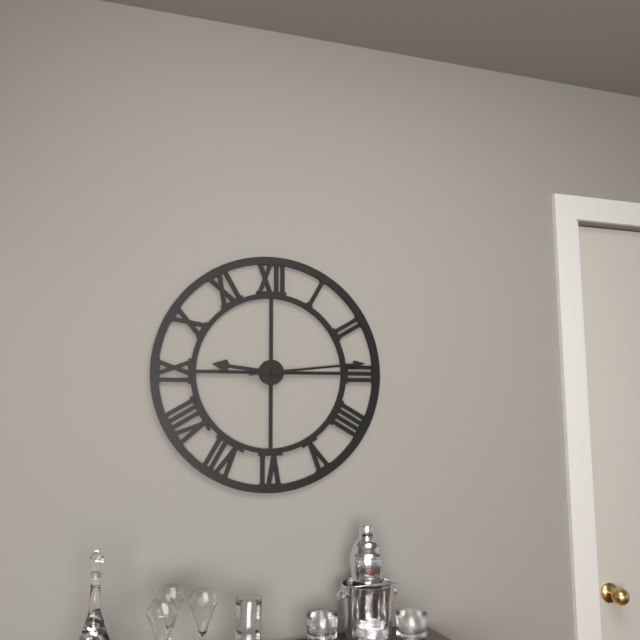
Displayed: 9 h 14 min
